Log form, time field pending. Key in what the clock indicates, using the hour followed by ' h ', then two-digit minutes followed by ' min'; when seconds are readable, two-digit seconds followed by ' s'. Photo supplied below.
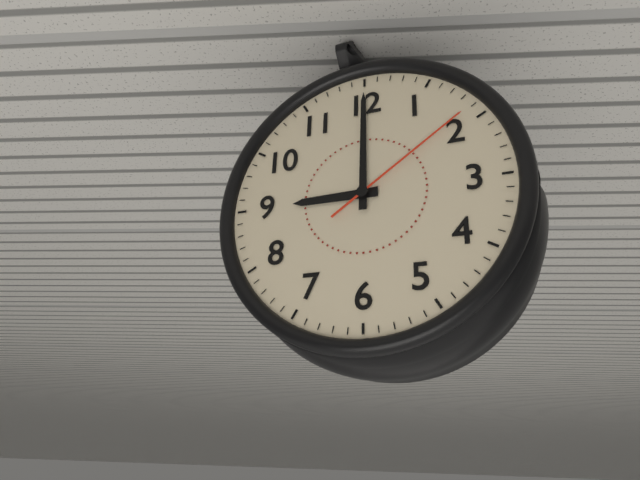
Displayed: 9 h 00 min 09 s
